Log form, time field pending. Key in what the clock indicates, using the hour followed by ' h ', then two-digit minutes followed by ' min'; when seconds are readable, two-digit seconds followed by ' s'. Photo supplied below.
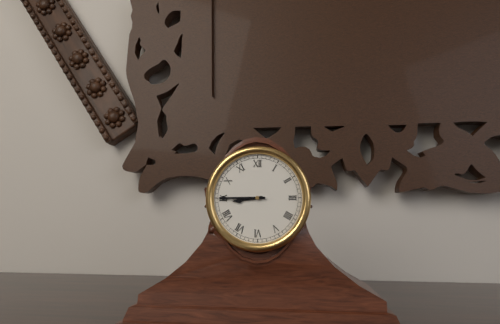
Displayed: 8 h 45 min
